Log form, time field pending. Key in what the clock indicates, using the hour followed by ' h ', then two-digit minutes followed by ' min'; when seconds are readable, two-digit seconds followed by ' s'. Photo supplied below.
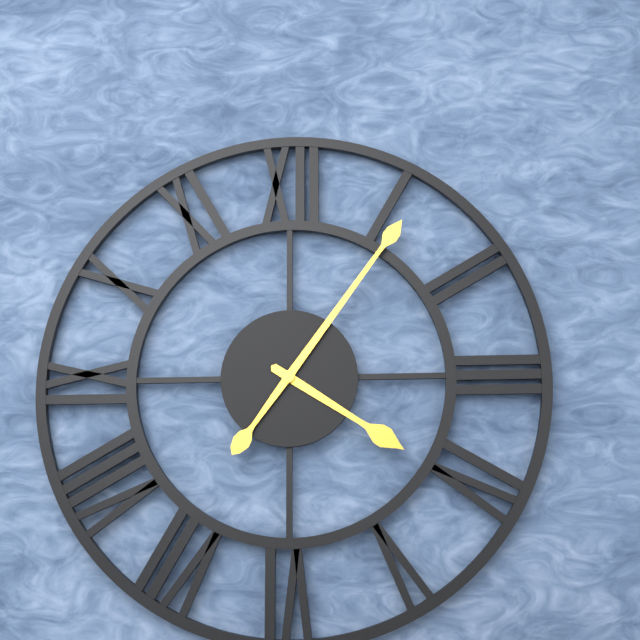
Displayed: 4 h 06 min
